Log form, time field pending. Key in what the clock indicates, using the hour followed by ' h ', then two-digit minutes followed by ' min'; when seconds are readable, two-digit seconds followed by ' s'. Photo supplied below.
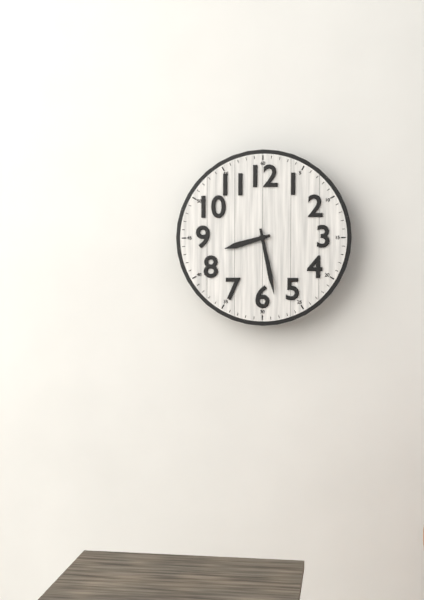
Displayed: 8 h 28 min
